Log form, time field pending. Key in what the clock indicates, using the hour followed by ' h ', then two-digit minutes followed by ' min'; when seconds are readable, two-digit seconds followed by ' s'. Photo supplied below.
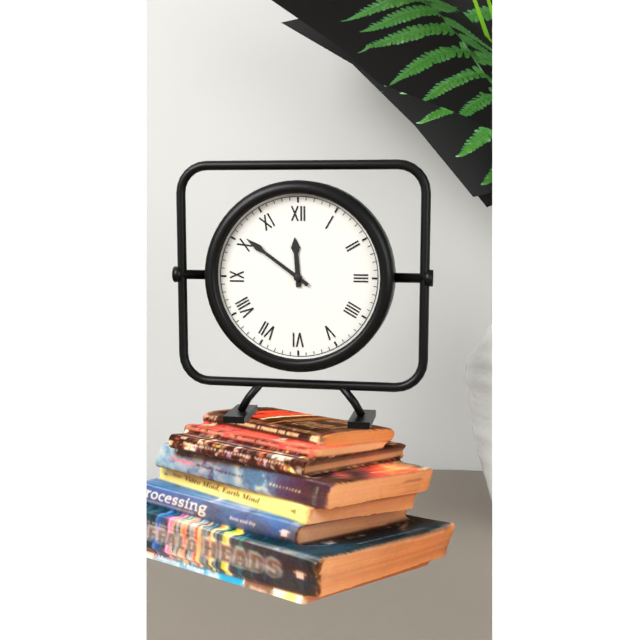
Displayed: 11 h 51 min
